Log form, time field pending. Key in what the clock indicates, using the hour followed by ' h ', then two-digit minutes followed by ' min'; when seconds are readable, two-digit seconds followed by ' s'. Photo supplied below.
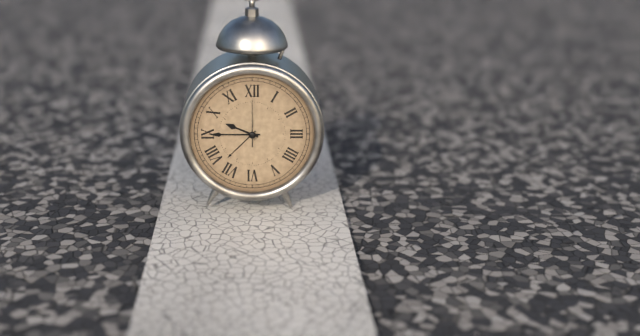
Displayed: 9 h 45 min
